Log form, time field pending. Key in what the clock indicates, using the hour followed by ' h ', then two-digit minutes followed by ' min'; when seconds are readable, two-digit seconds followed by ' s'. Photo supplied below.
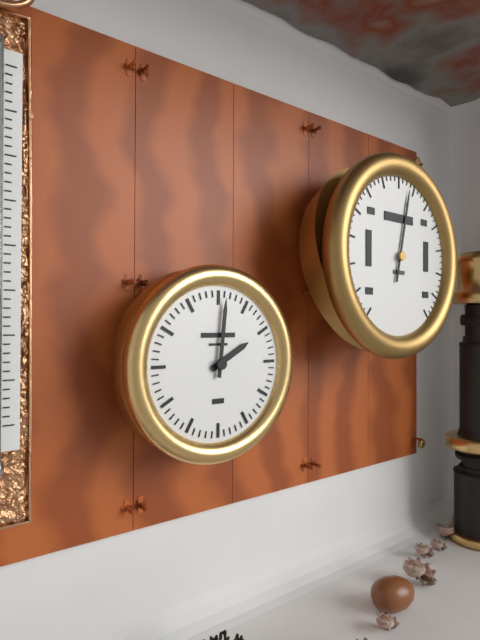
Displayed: 2 h 01 min
